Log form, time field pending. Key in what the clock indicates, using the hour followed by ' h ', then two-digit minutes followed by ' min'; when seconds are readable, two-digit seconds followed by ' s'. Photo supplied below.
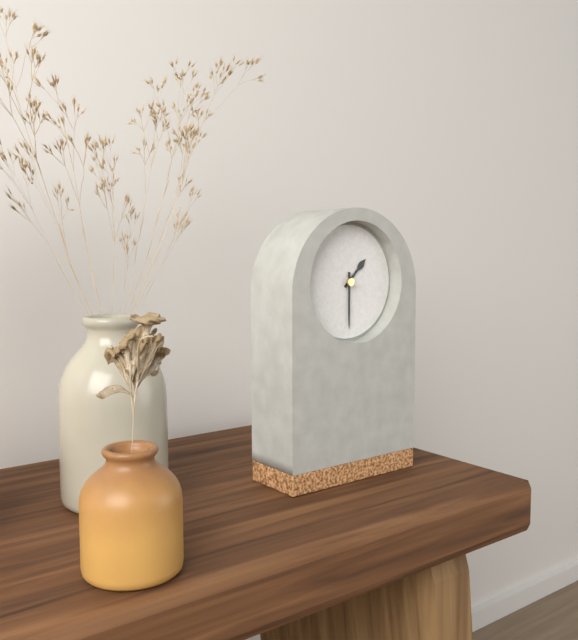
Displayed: 1 h 30 min
